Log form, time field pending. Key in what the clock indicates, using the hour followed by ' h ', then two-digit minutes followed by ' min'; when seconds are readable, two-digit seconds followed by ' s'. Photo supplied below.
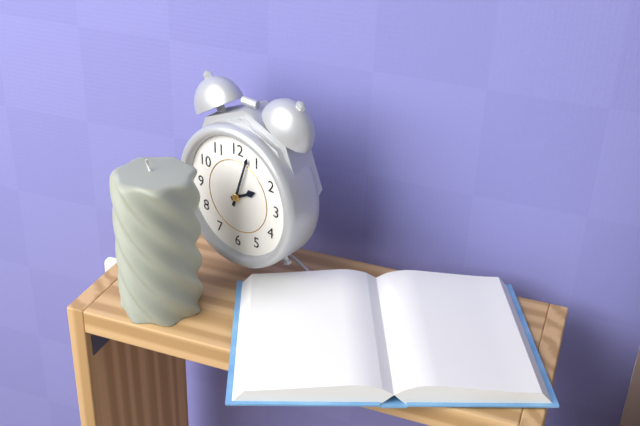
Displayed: 2 h 03 min
